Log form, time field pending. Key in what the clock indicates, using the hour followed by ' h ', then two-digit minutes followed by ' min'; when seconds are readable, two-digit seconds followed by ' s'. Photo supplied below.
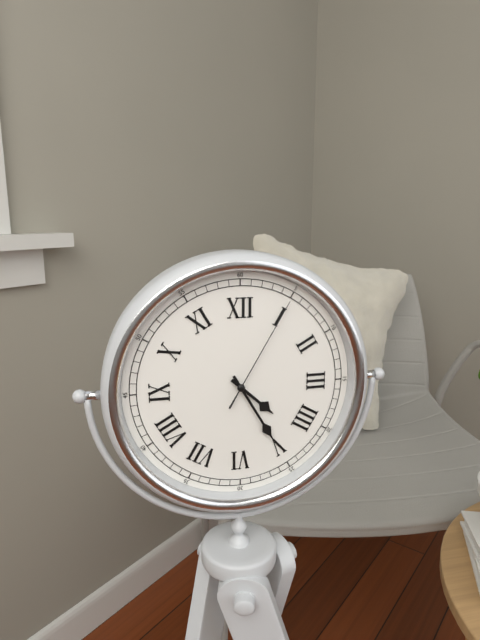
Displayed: 4 h 25 min 05 s
